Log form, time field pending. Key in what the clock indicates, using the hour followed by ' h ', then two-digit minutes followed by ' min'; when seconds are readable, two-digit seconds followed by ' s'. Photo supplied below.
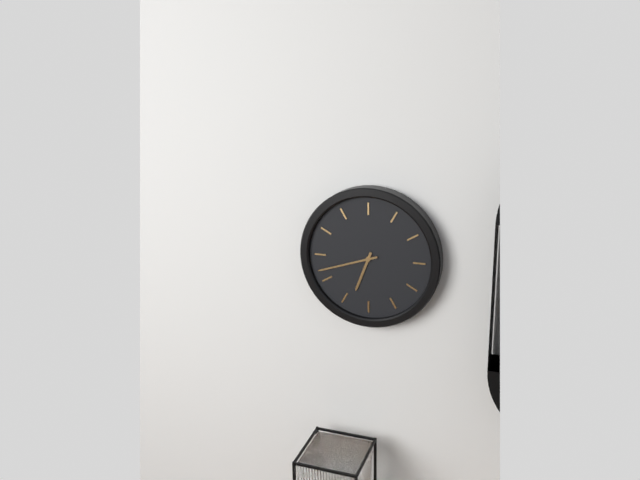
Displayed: 6 h 42 min
